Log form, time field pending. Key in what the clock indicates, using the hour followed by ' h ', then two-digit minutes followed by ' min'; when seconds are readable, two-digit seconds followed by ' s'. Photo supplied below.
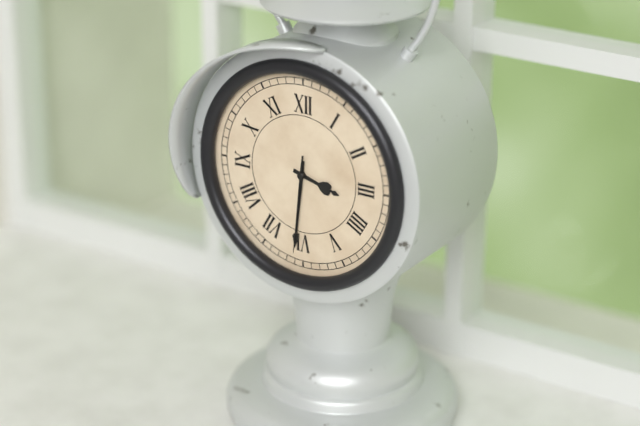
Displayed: 3 h 31 min 31 s
